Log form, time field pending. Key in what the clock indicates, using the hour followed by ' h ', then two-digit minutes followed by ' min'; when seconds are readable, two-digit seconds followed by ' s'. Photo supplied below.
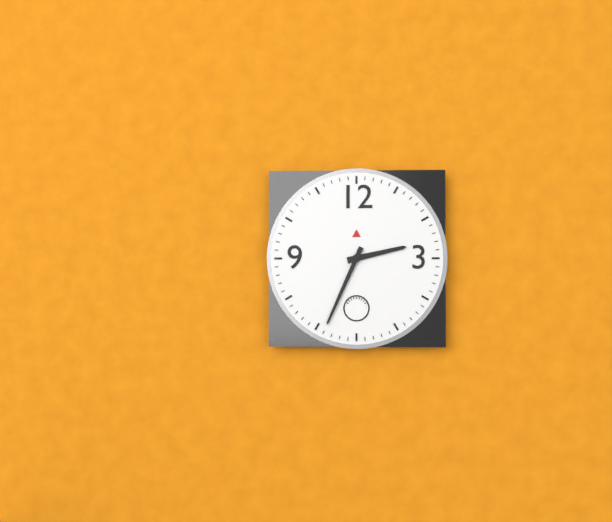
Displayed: 2 h 34 min
